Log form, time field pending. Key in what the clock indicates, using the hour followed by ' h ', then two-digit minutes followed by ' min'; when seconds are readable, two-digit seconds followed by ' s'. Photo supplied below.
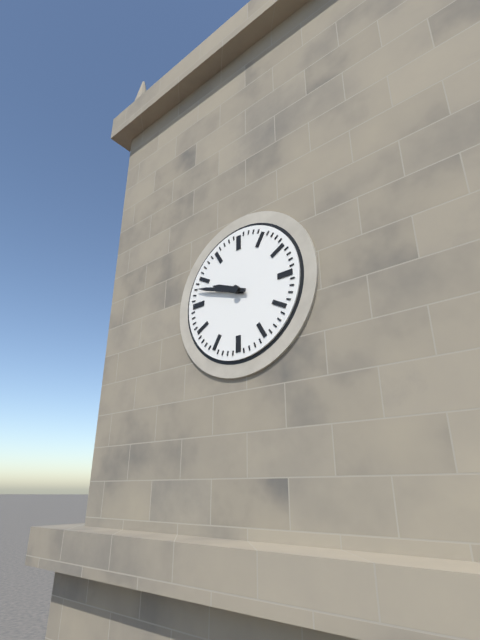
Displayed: 9 h 48 min
